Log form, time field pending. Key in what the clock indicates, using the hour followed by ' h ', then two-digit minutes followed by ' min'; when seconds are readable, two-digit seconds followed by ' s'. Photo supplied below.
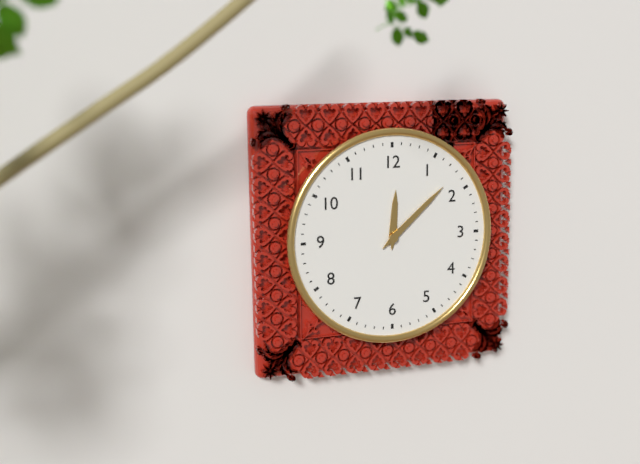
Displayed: 12 h 08 min
